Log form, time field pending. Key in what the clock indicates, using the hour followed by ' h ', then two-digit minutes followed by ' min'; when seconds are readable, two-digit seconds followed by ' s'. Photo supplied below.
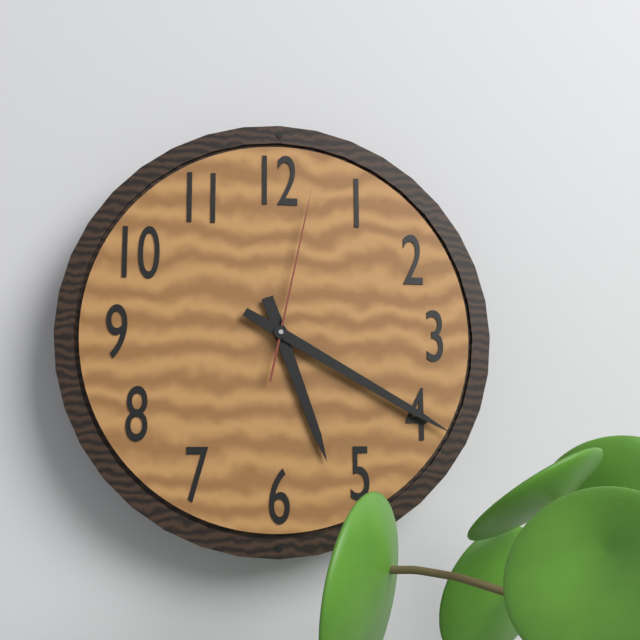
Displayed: 5 h 20 min 02 s
